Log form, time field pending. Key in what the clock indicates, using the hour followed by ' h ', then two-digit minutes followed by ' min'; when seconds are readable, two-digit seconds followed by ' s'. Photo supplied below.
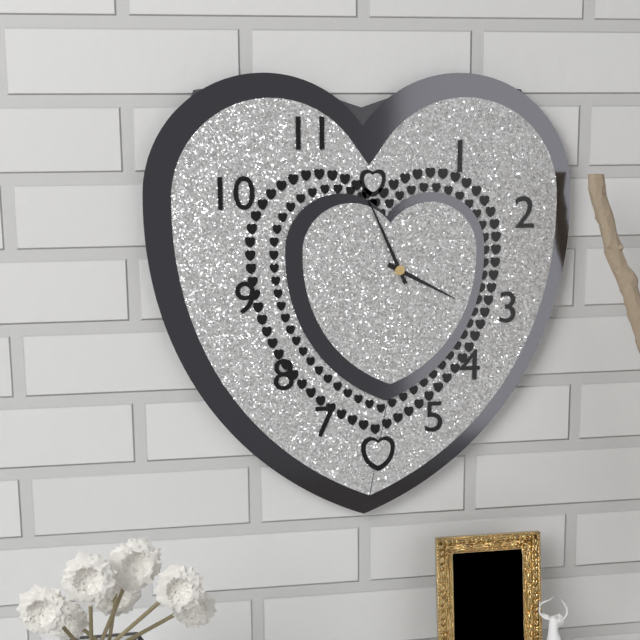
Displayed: 3 h 56 min
